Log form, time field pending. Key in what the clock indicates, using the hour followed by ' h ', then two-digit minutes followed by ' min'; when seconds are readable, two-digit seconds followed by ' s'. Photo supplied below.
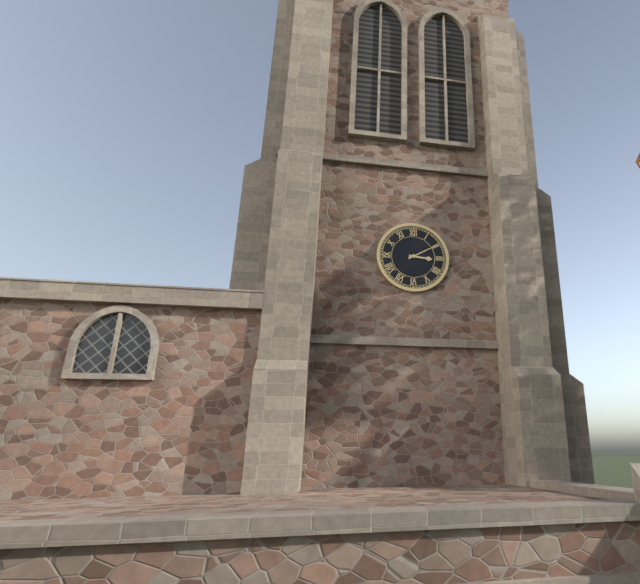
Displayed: 3 h 10 min
